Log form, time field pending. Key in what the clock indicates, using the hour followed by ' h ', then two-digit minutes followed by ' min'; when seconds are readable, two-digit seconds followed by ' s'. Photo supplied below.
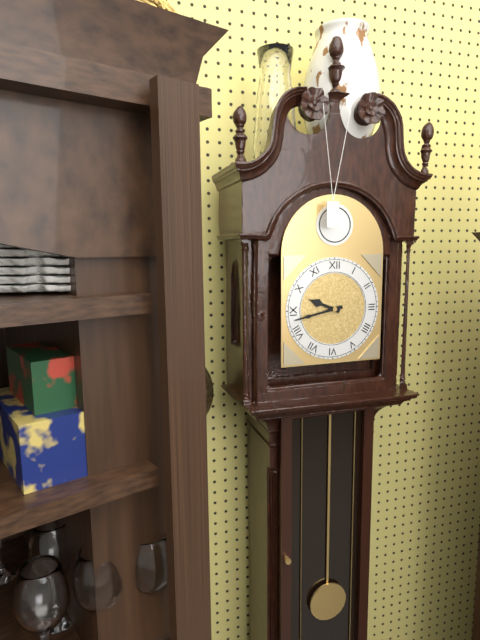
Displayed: 9 h 43 min
